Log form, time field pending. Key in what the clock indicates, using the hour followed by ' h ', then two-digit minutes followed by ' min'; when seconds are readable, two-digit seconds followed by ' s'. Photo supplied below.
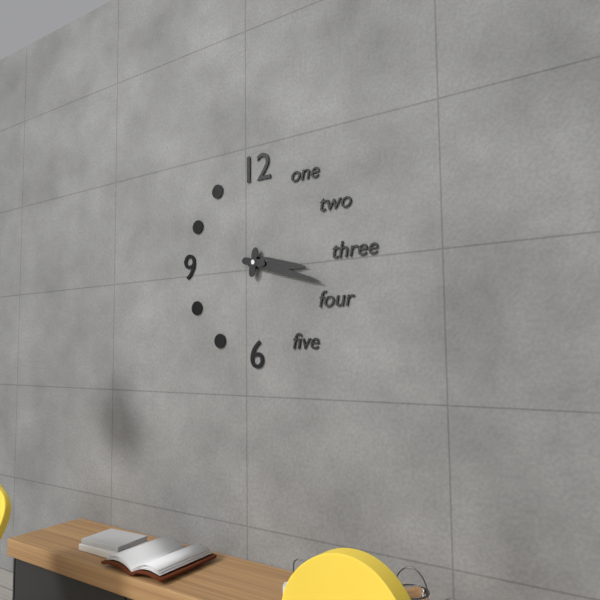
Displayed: 3 h 18 min
